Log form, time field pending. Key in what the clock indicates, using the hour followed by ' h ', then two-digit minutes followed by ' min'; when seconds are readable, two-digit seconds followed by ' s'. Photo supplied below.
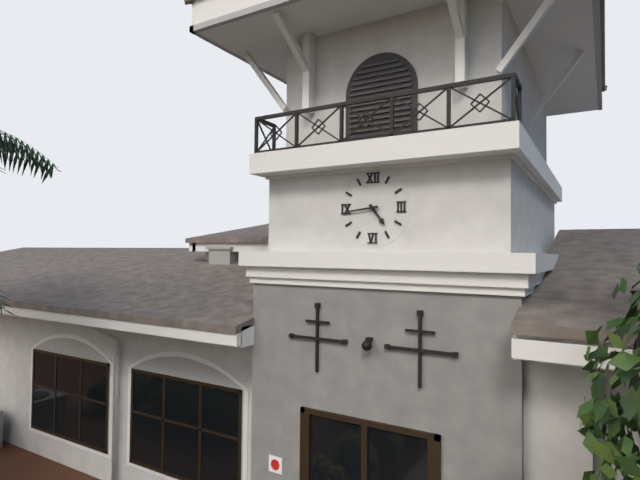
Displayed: 4 h 44 min
